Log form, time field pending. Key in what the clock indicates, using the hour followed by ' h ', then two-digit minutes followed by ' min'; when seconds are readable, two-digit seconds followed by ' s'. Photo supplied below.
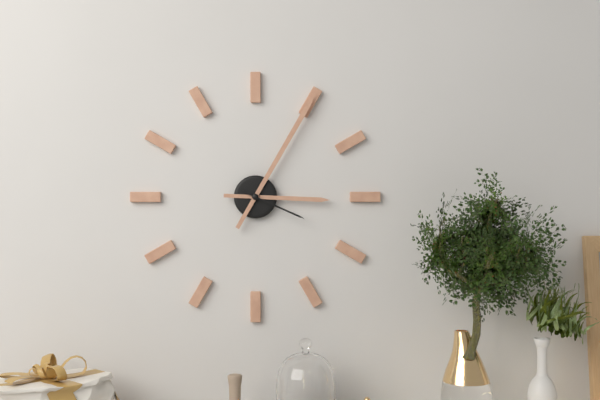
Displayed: 3 h 05 min 19 s
